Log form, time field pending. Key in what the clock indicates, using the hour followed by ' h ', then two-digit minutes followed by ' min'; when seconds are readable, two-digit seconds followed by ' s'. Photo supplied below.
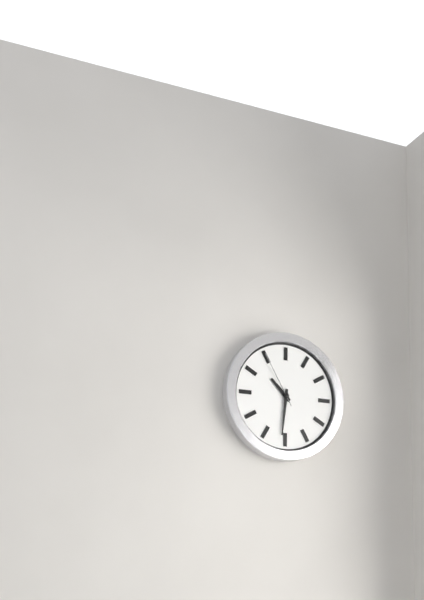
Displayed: 10 h 31 min 55 s
